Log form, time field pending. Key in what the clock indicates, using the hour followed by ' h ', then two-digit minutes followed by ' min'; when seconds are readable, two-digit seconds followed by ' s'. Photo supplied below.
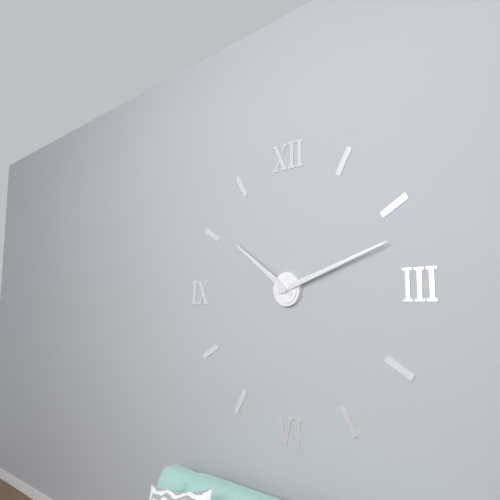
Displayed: 10 h 12 min
